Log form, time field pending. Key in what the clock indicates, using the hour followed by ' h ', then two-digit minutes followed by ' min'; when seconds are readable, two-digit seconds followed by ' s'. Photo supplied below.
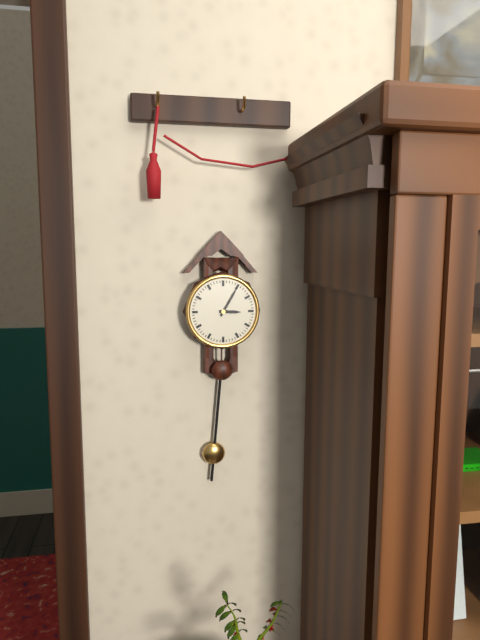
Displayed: 3 h 05 min
